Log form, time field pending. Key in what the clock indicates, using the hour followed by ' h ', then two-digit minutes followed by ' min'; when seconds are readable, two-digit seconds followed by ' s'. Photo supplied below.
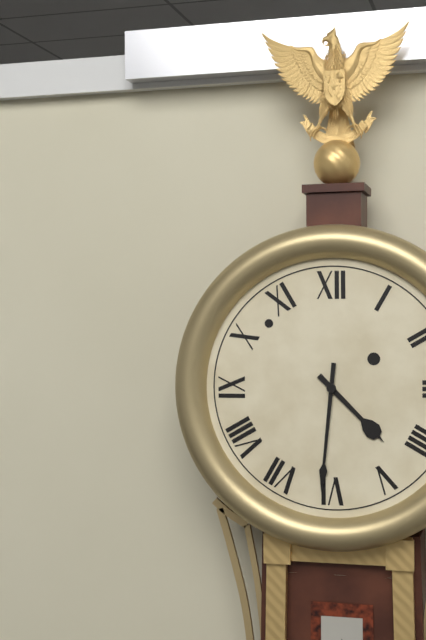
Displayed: 4 h 31 min
